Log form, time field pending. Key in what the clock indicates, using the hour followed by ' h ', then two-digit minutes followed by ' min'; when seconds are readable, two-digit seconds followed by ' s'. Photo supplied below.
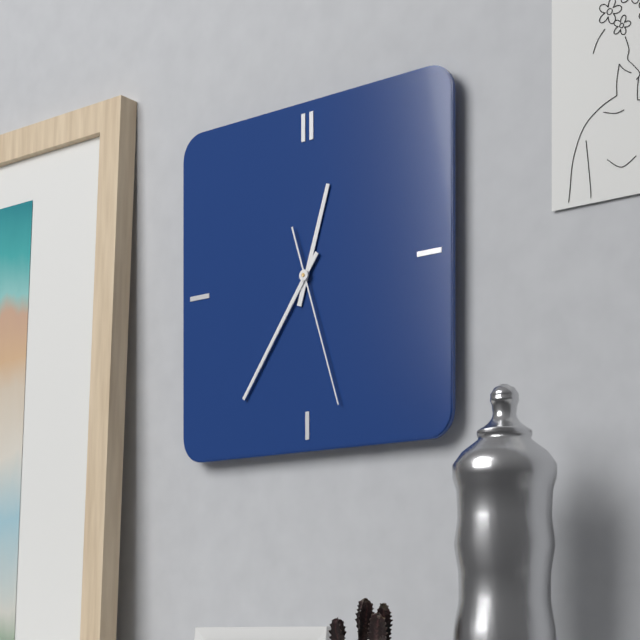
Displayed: 12 h 36 min 27 s
